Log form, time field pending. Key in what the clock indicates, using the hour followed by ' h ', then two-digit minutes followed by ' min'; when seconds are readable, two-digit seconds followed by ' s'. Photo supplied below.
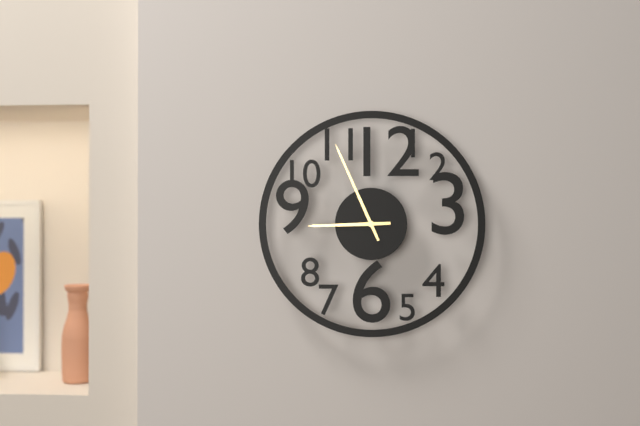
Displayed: 8 h 56 min
